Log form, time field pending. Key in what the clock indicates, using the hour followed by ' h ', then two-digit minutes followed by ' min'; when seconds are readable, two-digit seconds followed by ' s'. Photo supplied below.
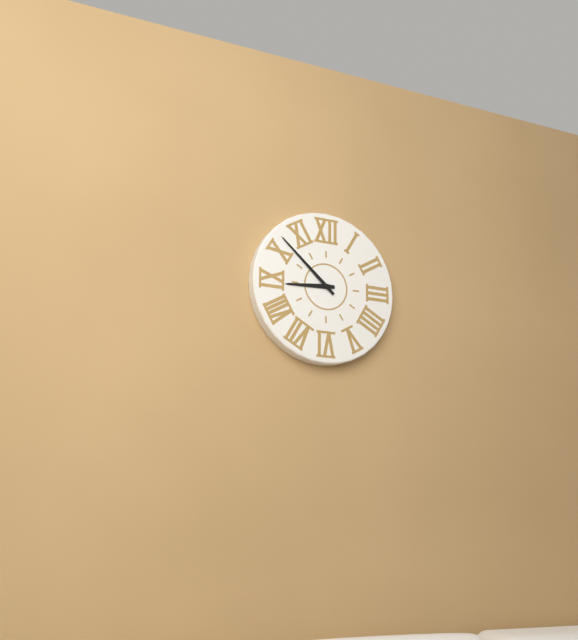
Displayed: 8 h 52 min
